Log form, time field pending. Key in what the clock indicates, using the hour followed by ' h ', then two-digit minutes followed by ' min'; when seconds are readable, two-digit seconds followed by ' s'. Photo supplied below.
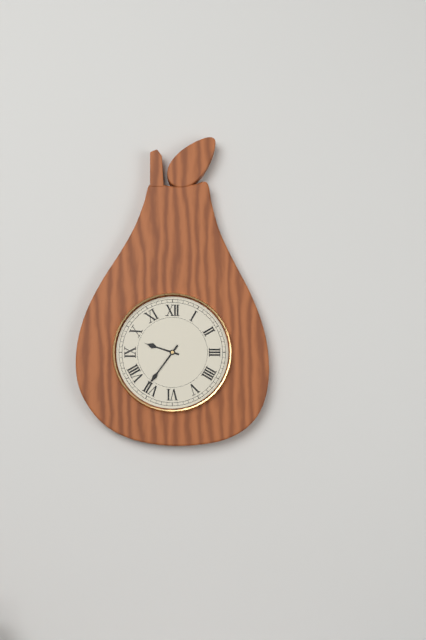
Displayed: 9 h 36 min
